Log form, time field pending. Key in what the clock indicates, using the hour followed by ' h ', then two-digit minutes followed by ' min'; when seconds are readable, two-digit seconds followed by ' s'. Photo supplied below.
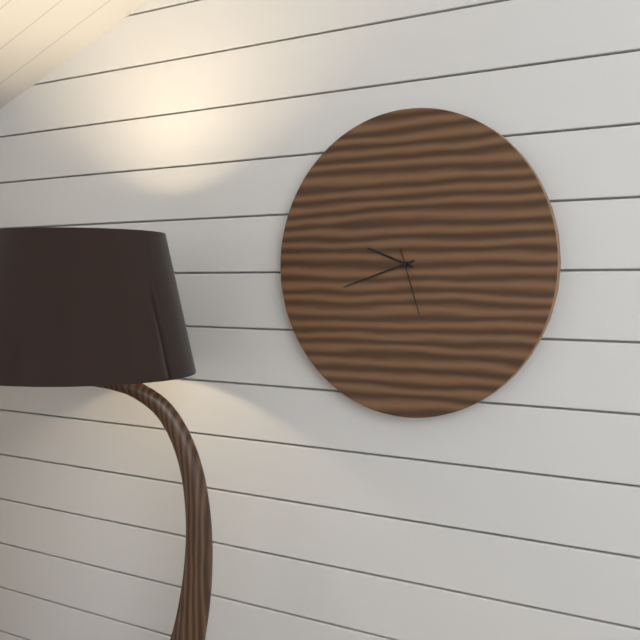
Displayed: 9 h 42 min 27 s
